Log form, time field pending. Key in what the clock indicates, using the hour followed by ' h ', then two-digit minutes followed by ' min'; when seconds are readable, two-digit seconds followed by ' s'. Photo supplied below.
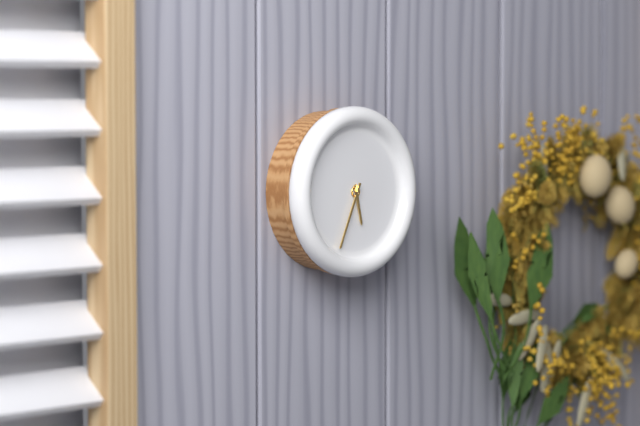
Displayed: 5 h 34 min
